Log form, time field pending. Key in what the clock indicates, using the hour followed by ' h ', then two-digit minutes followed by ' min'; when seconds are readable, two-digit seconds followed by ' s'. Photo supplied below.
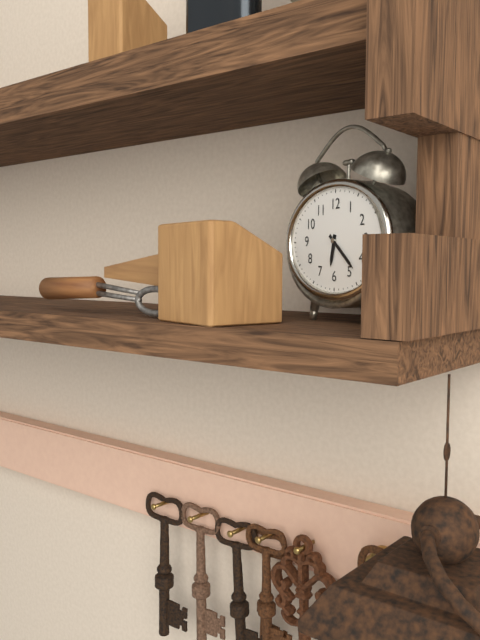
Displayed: 6 h 22 min
